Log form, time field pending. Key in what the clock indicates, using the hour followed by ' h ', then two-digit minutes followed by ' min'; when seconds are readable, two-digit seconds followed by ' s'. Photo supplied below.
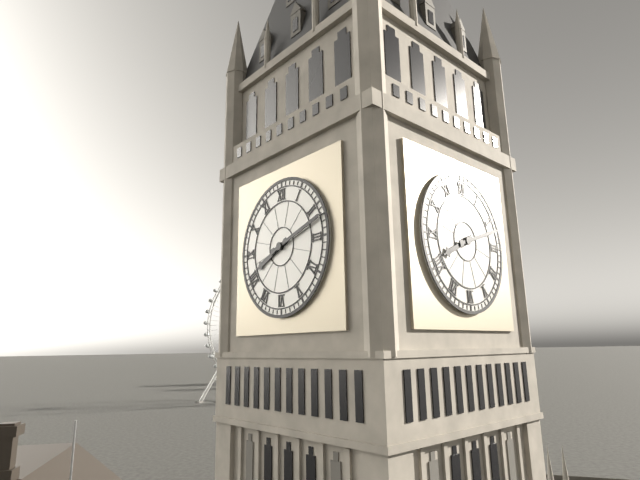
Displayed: 8 h 12 min
